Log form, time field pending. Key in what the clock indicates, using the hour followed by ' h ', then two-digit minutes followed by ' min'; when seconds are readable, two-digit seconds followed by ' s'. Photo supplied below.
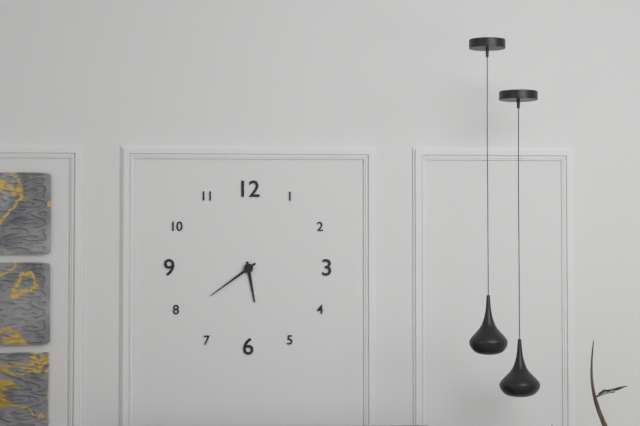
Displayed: 5 h 39 min
